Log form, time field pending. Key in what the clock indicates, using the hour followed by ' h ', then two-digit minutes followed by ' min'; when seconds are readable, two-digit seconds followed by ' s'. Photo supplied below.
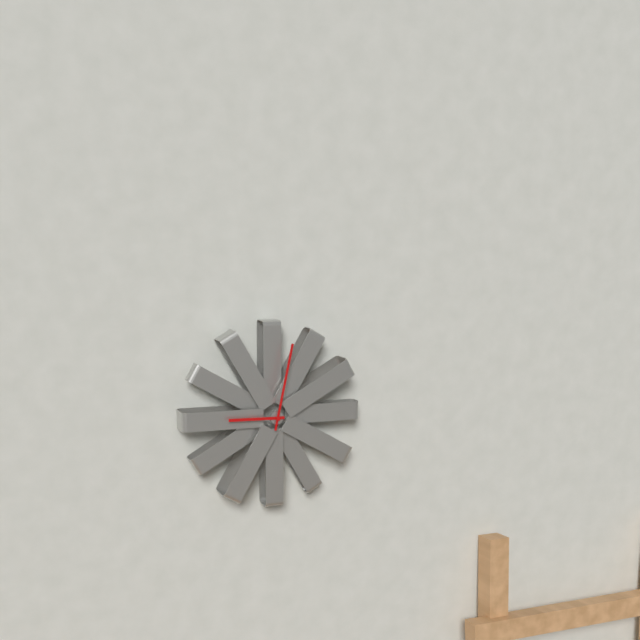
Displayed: 9 h 02 min
